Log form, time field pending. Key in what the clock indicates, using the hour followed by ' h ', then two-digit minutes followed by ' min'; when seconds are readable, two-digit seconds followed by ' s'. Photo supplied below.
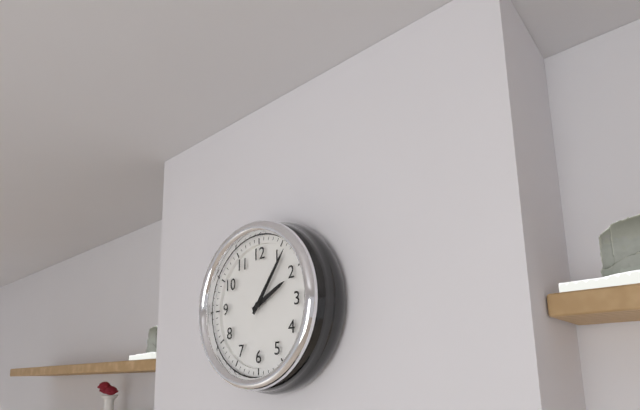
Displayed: 2 h 06 min
